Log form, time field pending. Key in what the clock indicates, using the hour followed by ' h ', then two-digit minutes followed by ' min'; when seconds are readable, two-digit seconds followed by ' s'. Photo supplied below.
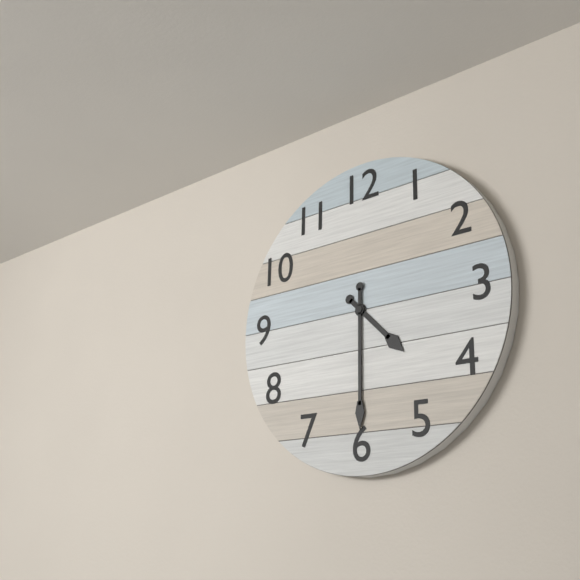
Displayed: 4 h 30 min
